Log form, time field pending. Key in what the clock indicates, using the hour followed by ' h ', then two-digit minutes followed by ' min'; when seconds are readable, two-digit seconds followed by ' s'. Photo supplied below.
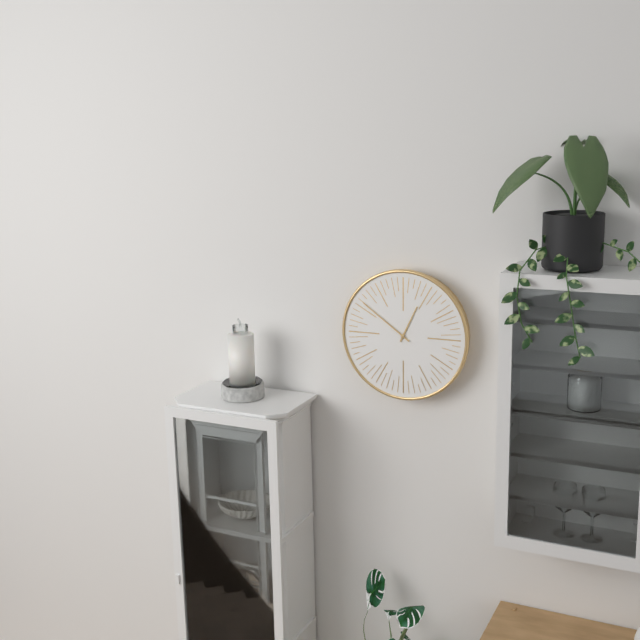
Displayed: 12 h 51 min
